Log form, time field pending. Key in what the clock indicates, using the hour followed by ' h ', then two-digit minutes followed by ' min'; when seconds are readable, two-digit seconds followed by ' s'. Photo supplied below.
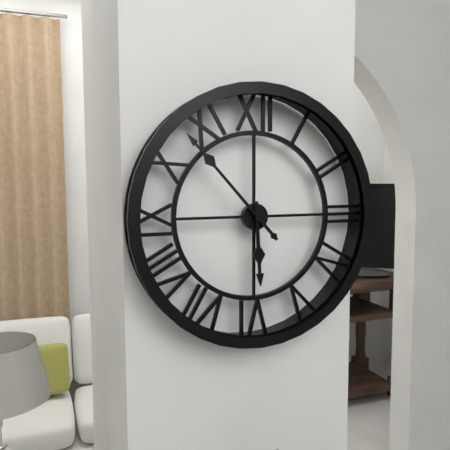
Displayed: 5 h 53 min
